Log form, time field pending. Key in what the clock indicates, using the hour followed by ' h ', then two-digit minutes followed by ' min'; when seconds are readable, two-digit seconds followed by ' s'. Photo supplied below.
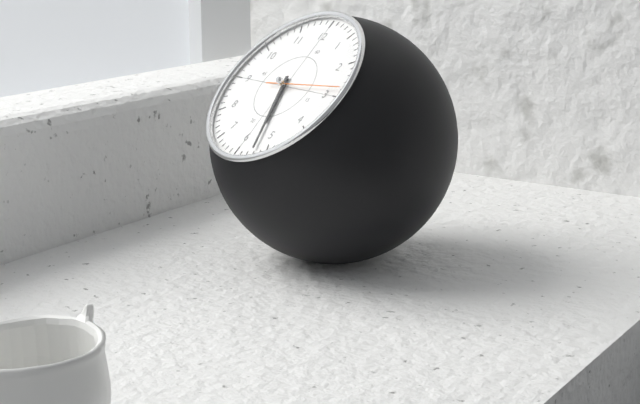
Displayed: 5 h 27 min 14 s
